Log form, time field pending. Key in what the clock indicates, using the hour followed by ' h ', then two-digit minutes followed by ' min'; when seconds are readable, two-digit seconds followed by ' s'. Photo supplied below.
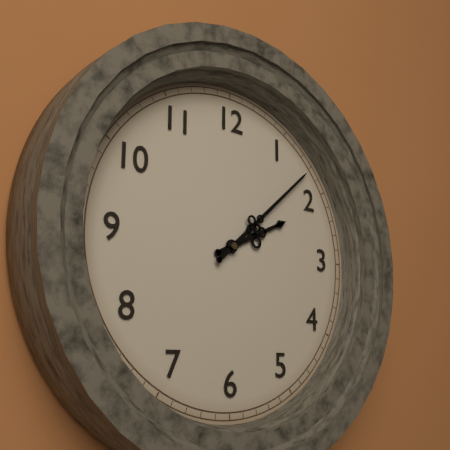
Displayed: 2 h 08 min
